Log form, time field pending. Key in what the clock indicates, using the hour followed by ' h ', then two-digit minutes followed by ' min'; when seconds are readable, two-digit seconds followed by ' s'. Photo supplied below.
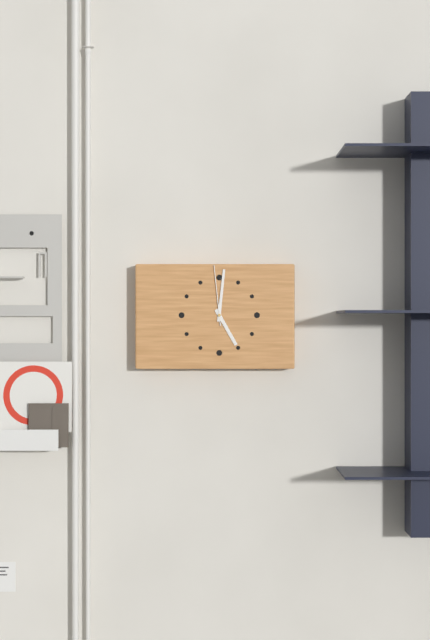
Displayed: 5 h 01 min 59 s
